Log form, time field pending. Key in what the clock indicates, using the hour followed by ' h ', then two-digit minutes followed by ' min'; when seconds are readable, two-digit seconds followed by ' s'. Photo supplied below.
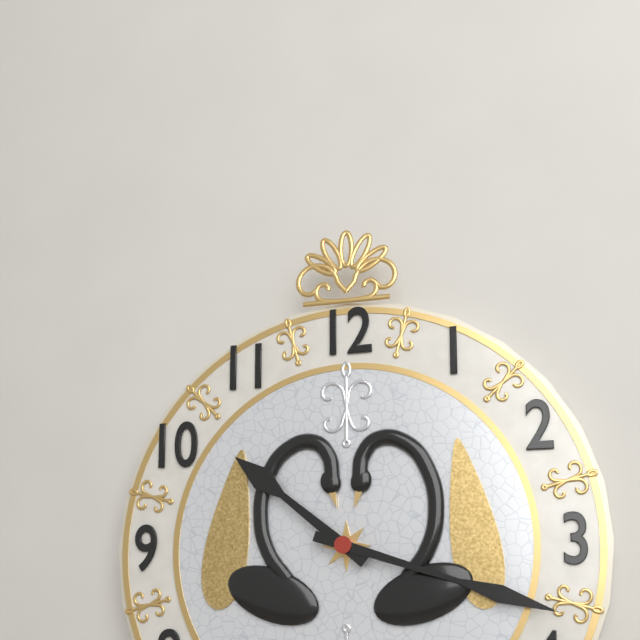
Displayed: 10 h 18 min
